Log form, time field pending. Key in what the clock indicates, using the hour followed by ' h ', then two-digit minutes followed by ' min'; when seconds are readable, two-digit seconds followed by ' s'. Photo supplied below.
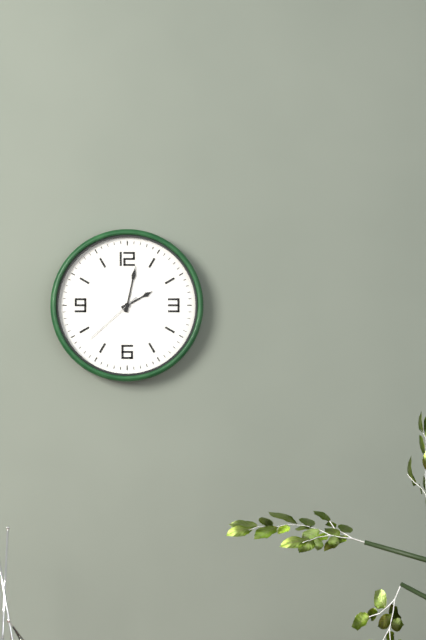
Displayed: 2 h 02 min 38 s
